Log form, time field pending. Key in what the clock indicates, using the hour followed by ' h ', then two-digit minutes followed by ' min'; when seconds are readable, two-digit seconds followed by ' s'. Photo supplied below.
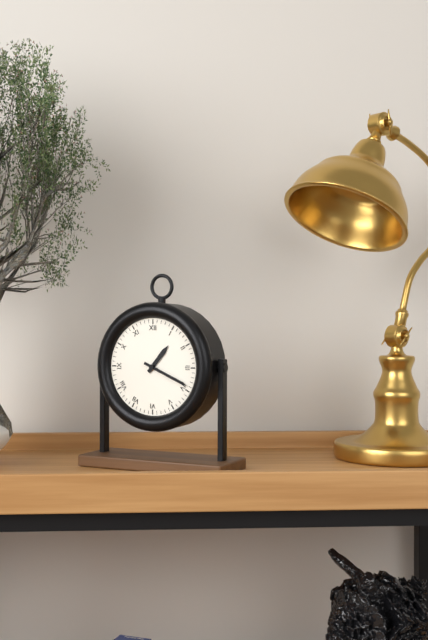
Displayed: 1 h 19 min
